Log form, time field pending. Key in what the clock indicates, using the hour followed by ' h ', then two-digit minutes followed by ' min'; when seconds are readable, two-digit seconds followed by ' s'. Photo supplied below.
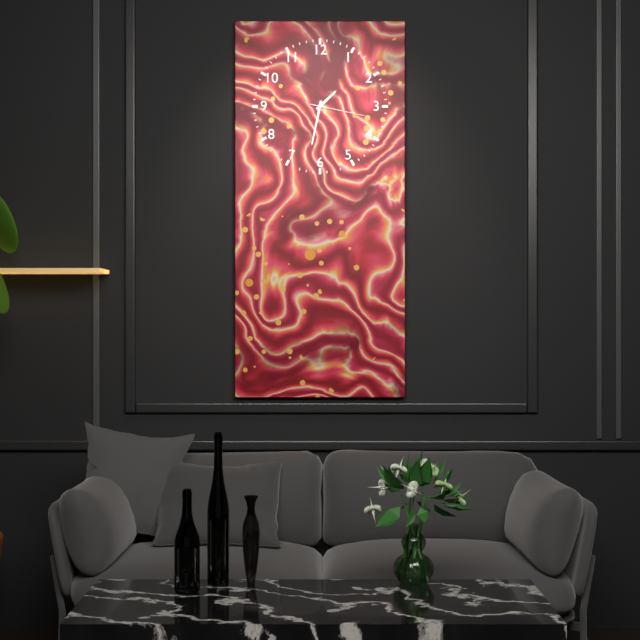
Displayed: 1 h 32 min 17 s
